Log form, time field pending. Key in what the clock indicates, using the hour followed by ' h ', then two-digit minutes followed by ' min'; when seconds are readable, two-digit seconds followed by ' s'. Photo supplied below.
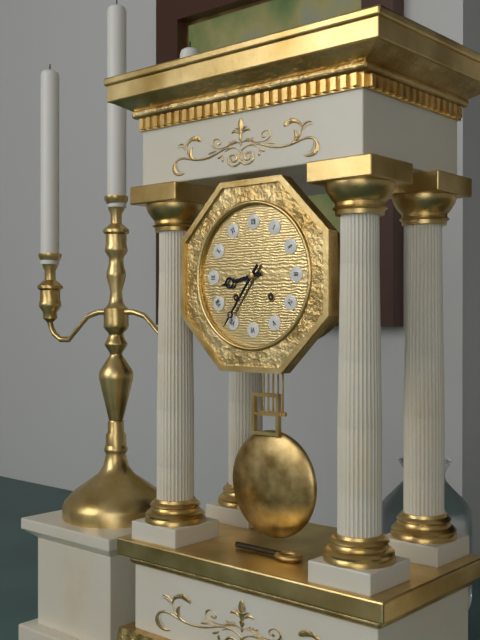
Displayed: 8 h 36 min
